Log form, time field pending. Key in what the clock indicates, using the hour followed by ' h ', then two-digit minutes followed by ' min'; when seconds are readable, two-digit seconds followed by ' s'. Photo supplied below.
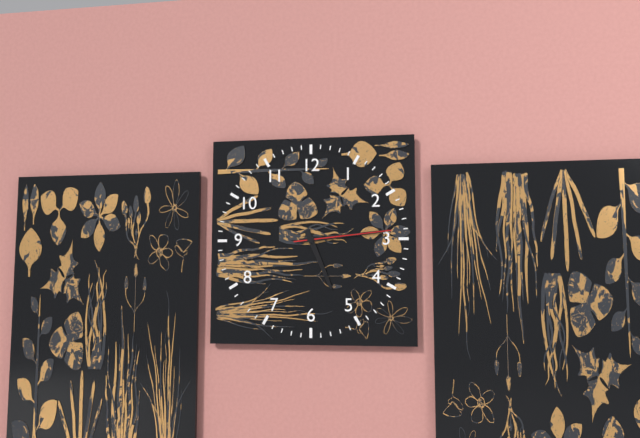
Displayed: 5 h 14 min 14 s
